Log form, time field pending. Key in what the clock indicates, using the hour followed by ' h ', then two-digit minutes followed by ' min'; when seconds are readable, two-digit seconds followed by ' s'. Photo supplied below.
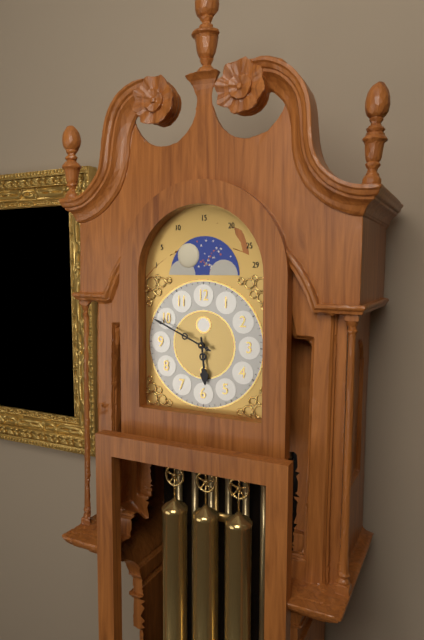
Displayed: 5 h 49 min
